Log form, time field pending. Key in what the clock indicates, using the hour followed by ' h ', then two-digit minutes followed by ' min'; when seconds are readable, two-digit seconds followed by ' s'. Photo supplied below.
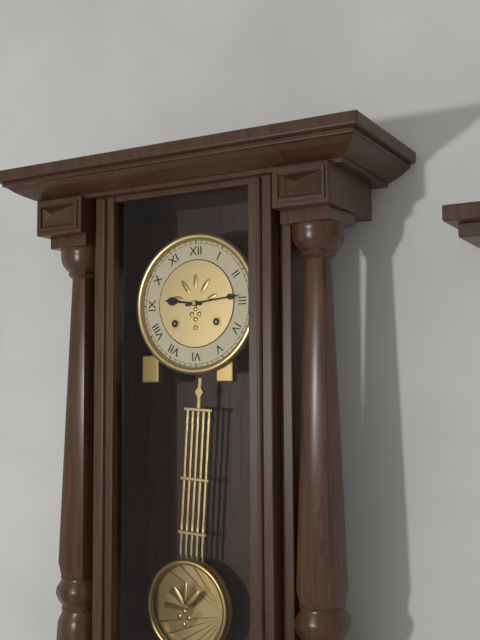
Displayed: 9 h 14 min
